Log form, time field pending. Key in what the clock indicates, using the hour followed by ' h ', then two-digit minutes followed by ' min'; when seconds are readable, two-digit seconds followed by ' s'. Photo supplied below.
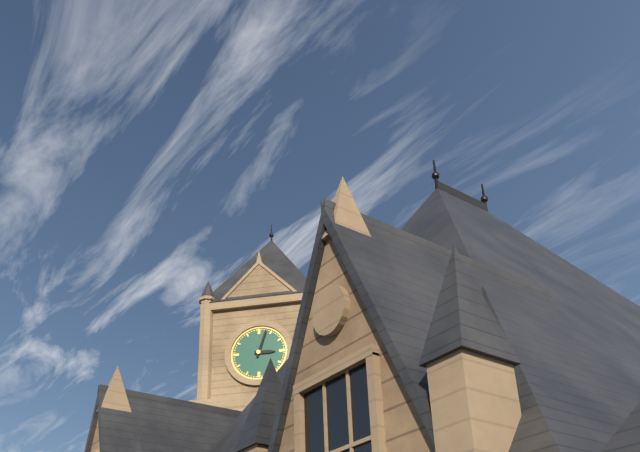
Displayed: 3 h 03 min
